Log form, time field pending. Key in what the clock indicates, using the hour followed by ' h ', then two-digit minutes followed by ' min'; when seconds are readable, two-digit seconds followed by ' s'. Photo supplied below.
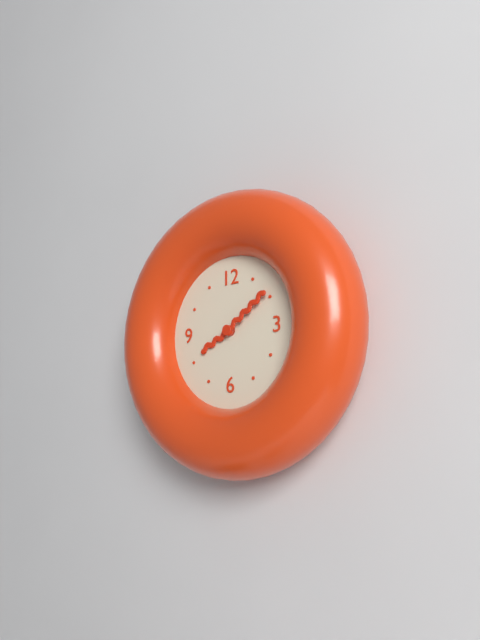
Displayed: 8 h 09 min
